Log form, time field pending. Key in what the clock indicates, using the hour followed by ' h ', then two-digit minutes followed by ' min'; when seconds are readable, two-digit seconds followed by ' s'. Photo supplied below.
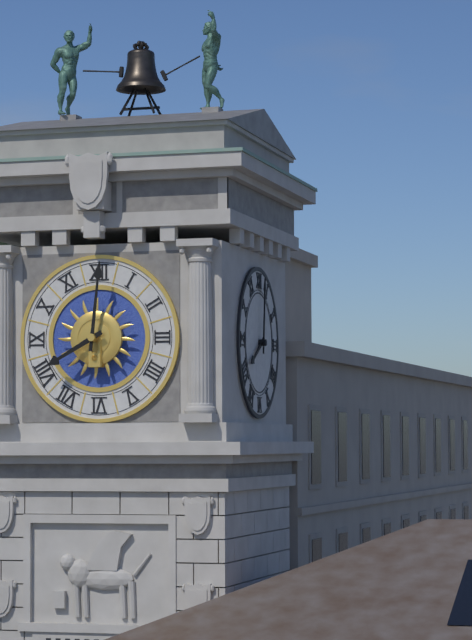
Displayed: 8 h 01 min
